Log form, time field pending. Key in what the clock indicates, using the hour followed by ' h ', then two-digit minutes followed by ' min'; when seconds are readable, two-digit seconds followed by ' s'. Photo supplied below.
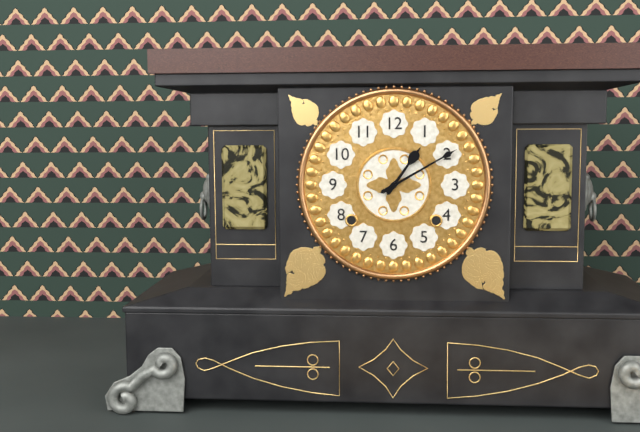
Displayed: 1 h 10 min
